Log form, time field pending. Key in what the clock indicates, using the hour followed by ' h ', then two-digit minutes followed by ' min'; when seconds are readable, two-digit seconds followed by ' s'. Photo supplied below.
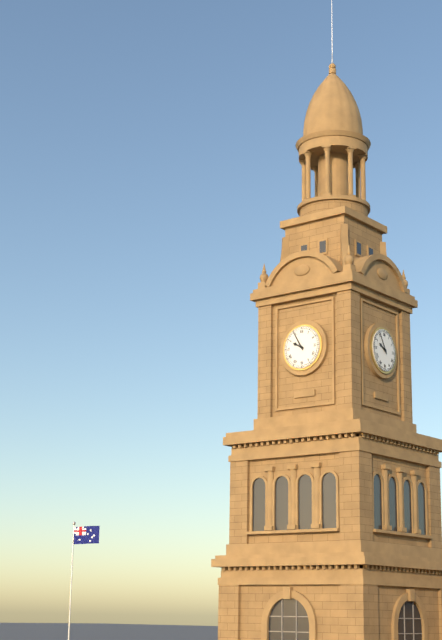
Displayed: 9 h 55 min
